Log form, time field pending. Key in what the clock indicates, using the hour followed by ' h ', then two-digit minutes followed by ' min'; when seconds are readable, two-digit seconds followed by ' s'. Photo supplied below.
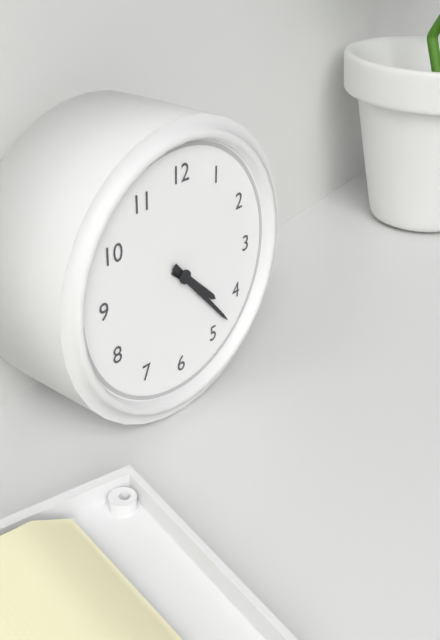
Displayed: 4 h 23 min
